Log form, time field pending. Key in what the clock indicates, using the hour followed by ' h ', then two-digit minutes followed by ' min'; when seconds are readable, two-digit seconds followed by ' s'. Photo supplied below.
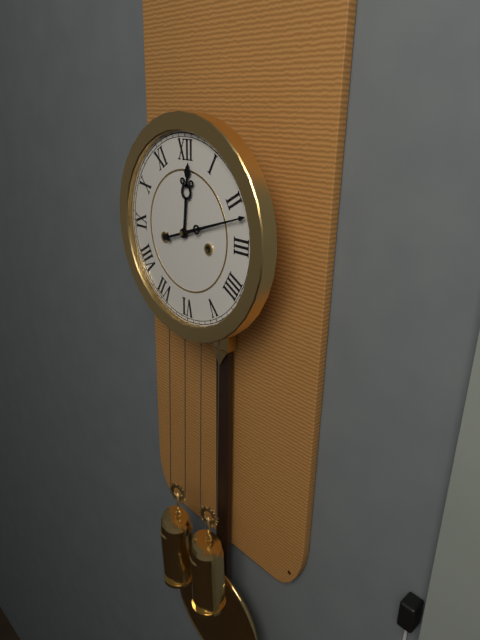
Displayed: 12 h 12 min
